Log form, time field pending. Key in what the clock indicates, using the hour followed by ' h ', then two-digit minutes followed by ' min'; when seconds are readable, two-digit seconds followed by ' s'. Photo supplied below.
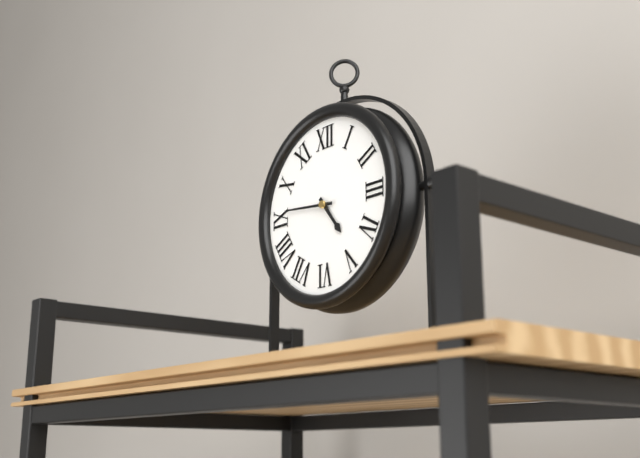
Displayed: 4 h 46 min
